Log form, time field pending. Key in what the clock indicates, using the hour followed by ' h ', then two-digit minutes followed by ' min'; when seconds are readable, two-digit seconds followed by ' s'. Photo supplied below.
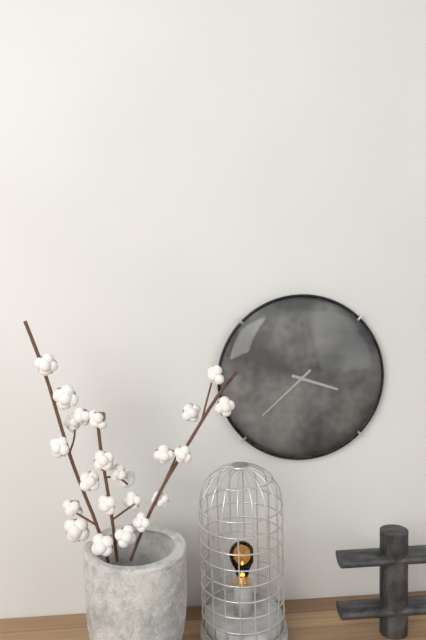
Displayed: 3 h 38 min
